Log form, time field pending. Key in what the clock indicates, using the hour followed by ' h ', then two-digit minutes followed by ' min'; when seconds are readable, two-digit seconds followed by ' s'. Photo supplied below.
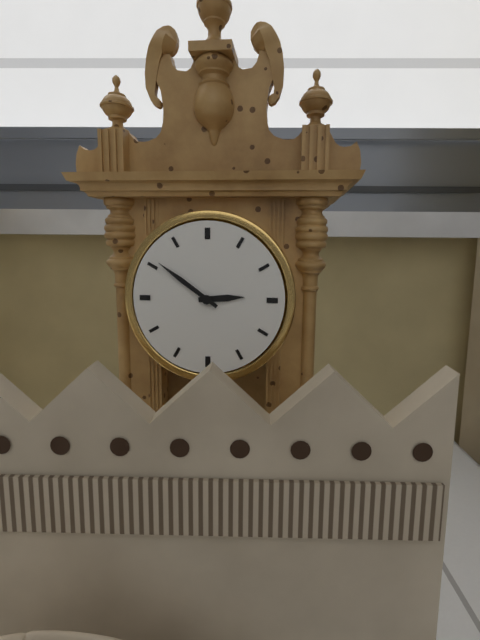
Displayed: 2 h 51 min
